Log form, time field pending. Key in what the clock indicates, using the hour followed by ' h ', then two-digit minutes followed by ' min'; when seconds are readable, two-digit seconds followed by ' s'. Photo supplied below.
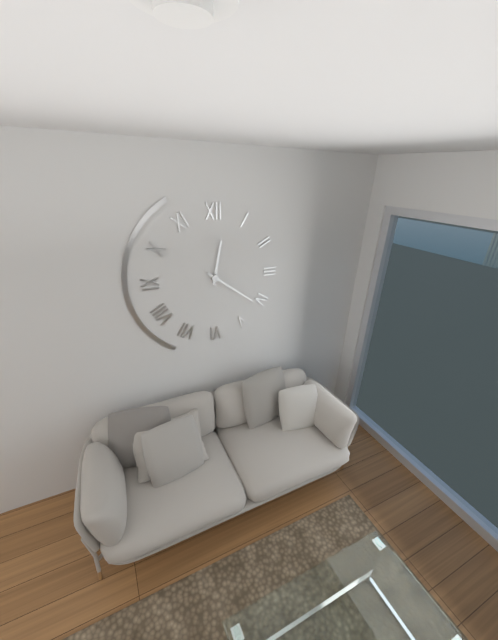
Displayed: 12 h 21 min
